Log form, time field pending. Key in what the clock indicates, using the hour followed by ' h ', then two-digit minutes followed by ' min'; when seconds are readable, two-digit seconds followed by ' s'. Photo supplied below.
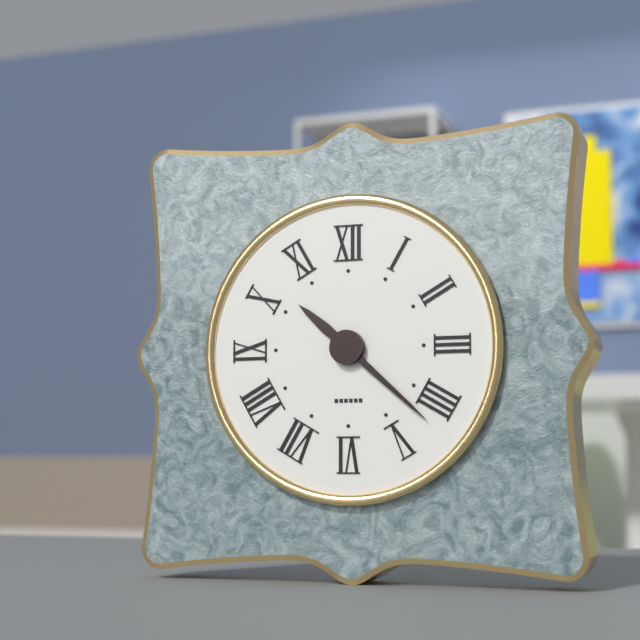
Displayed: 10 h 22 min
